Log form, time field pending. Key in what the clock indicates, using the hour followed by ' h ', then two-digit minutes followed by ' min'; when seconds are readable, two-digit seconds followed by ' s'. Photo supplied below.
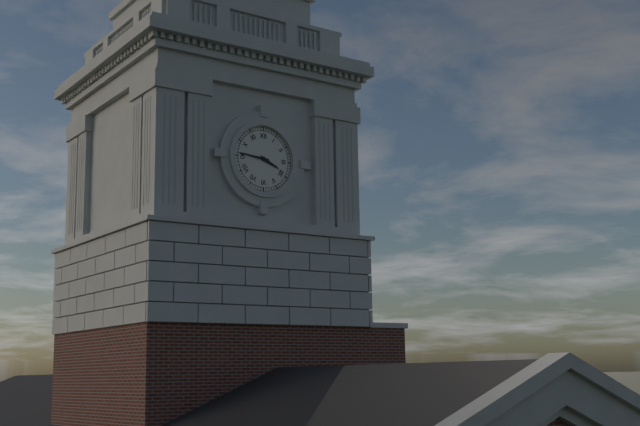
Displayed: 3 h 46 min
